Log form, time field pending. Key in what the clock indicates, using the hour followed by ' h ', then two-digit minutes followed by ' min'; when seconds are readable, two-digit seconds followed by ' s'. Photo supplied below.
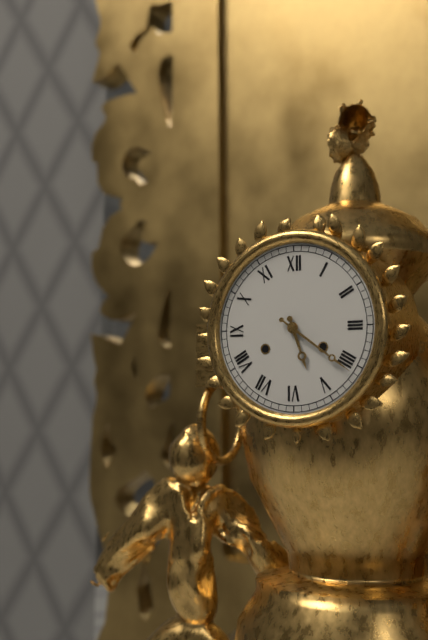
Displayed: 5 h 21 min
